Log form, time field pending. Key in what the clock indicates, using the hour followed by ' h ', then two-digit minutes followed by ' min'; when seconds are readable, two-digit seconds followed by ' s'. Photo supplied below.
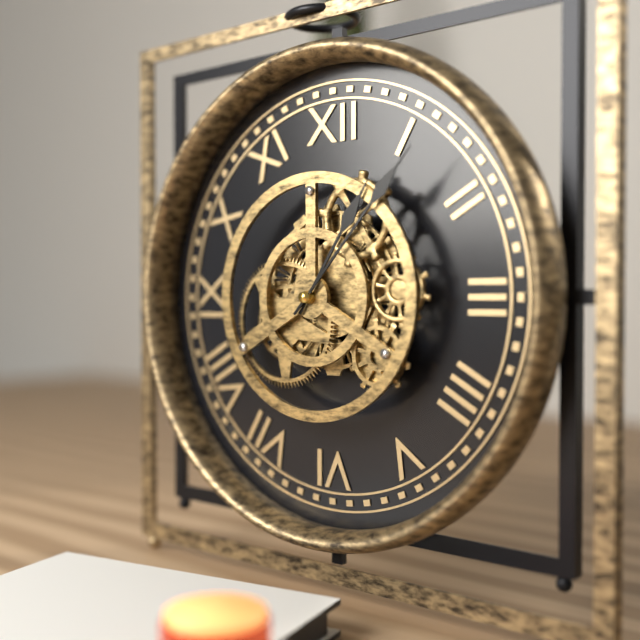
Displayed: 1 h 07 min
